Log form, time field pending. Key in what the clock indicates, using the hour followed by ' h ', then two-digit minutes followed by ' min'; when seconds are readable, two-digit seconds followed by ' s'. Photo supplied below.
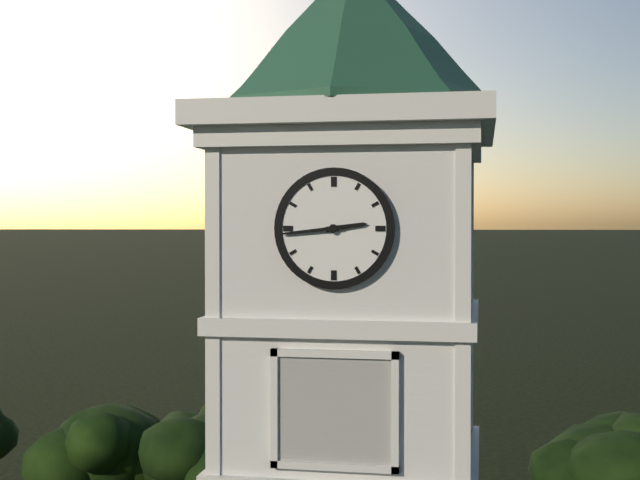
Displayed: 2 h 44 min
